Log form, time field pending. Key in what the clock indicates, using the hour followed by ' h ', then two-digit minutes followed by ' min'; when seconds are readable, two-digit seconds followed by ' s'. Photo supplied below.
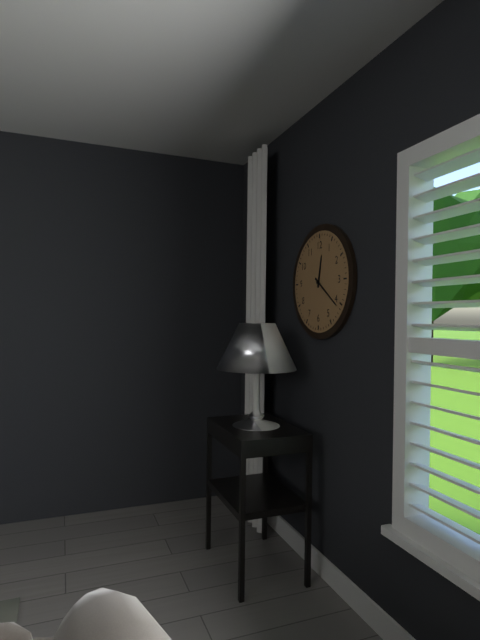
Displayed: 12 h 21 min
